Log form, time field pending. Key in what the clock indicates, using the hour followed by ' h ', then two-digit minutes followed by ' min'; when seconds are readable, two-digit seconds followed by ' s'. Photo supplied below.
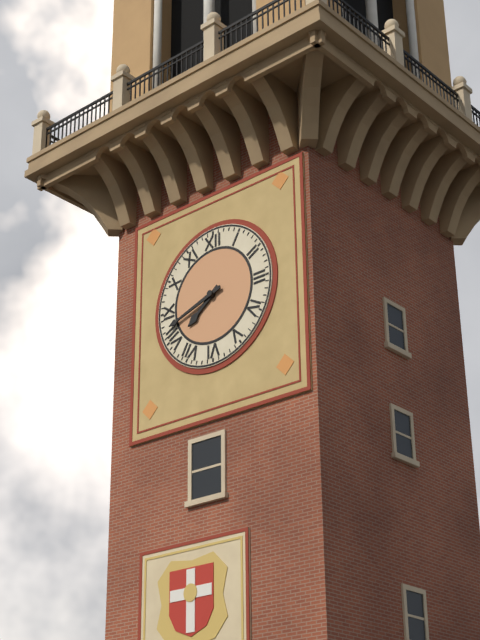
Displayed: 7 h 42 min
